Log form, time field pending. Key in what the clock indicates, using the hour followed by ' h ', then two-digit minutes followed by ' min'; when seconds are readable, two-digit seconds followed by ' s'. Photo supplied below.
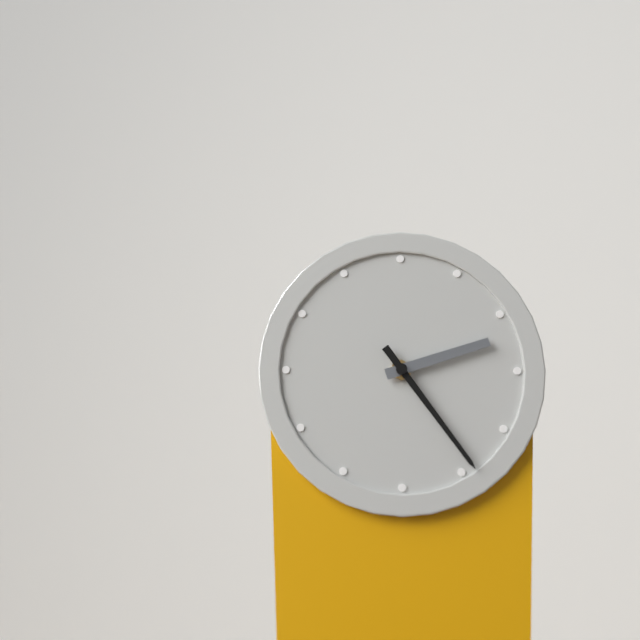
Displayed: 2 h 24 min
